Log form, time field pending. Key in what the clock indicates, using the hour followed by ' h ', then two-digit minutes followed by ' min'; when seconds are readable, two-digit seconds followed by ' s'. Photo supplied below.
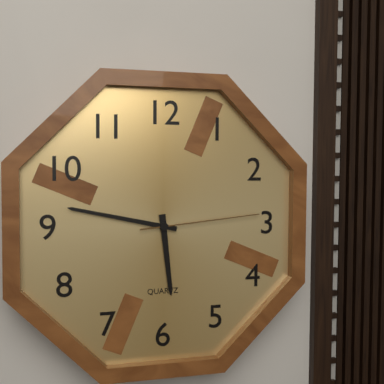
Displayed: 5 h 47 min 14 s
